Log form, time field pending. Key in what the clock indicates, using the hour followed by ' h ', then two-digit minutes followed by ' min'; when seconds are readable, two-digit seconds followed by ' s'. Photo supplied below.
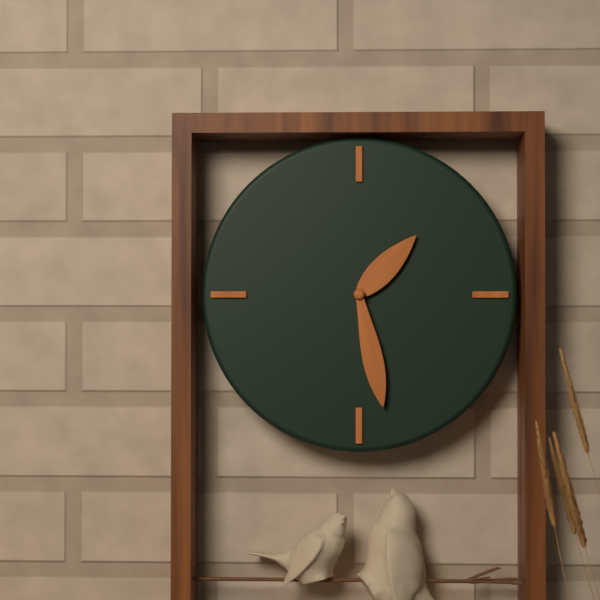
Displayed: 1 h 28 min
